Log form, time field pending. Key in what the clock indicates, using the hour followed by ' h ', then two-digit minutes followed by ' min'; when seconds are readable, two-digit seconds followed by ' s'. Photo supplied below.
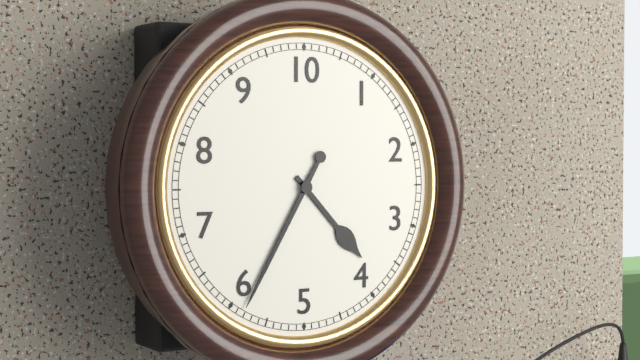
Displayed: 4 h 35 min
